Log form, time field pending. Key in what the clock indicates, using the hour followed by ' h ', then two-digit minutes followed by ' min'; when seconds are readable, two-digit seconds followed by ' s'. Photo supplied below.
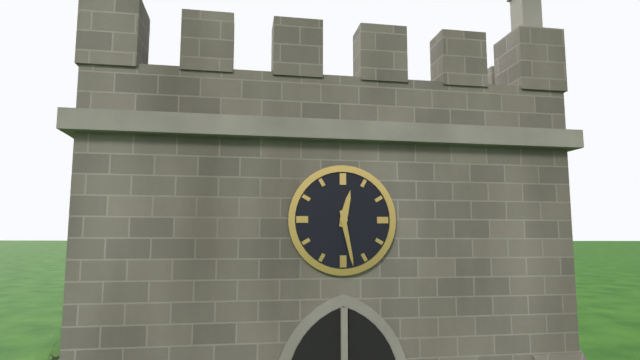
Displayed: 12 h 28 min
